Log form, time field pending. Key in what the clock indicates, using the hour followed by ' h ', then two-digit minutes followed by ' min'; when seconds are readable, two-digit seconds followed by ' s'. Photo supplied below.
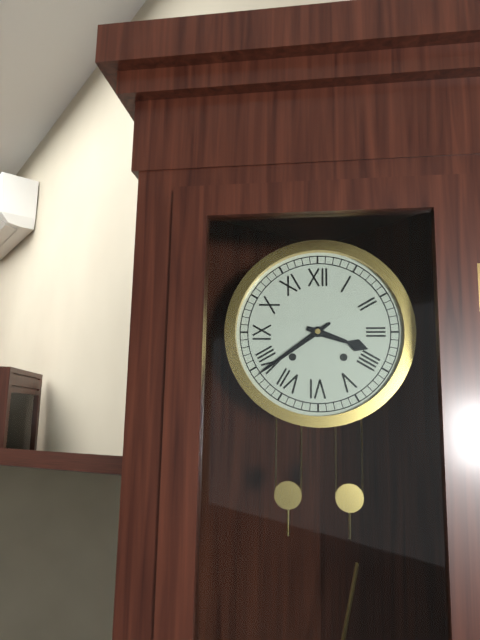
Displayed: 3 h 39 min
